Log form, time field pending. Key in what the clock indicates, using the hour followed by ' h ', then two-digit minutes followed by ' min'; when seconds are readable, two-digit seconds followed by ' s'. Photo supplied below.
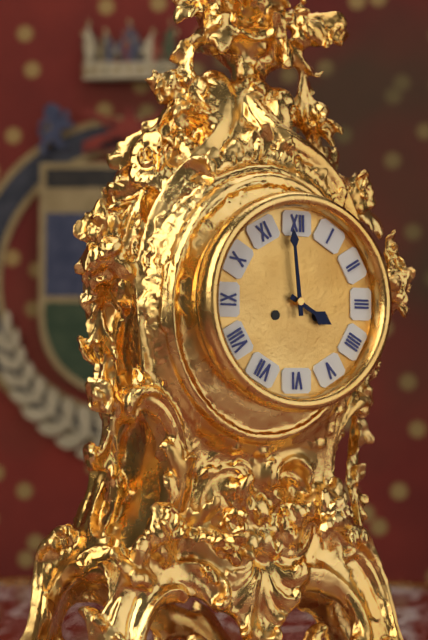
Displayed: 3 h 59 min
